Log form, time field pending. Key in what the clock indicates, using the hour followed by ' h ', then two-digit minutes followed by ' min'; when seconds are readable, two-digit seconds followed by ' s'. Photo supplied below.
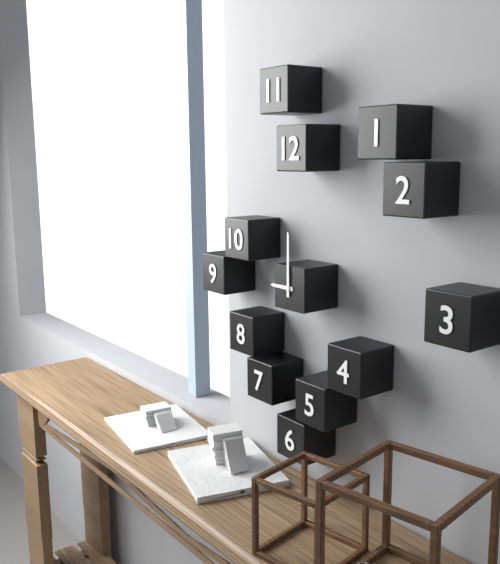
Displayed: 9 h 00 min
